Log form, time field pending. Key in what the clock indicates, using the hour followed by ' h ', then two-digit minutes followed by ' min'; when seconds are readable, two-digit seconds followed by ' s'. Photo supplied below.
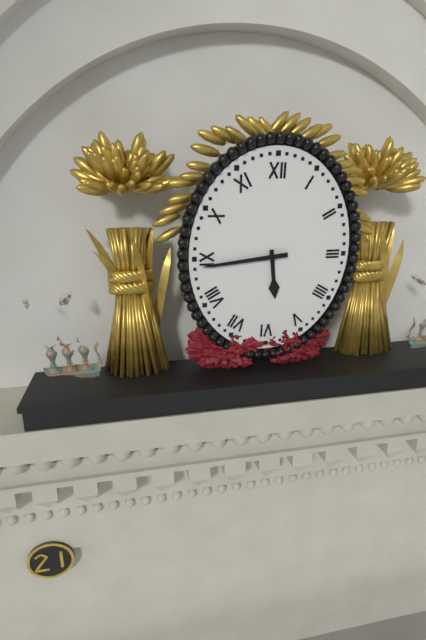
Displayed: 5 h 44 min
